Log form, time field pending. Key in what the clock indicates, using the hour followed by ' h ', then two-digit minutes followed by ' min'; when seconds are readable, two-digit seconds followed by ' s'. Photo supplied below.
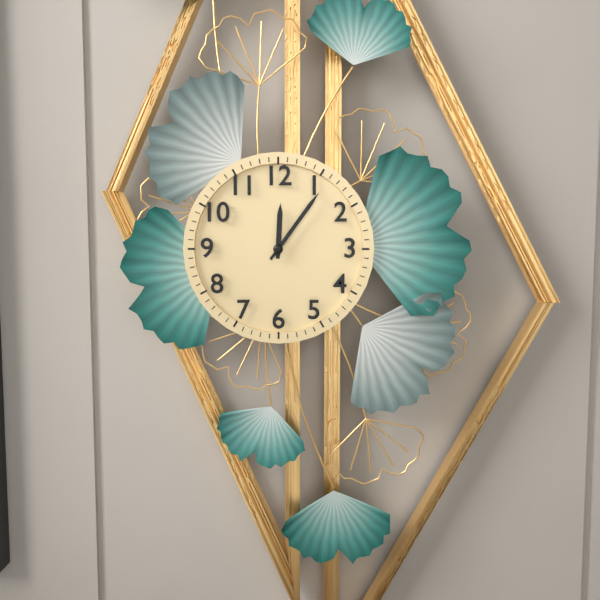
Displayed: 12 h 06 min
